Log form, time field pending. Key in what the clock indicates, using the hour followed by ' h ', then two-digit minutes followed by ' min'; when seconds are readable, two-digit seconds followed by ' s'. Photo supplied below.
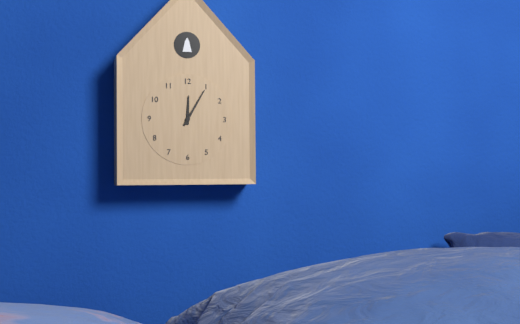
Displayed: 12 h 05 min
